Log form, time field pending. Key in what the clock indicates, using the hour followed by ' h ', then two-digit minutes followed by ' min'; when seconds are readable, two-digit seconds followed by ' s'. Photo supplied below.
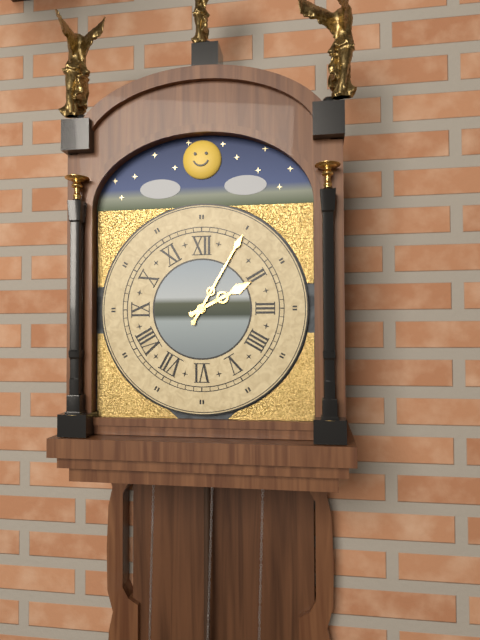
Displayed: 2 h 05 min
